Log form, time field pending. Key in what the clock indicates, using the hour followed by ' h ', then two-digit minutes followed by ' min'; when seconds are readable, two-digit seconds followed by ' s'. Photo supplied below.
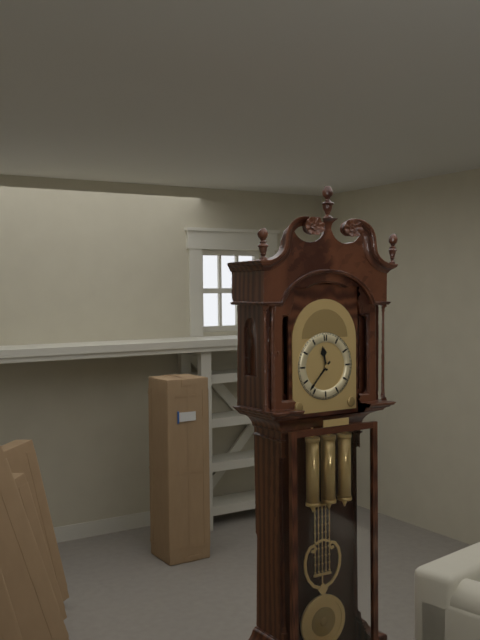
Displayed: 11 h 37 min
